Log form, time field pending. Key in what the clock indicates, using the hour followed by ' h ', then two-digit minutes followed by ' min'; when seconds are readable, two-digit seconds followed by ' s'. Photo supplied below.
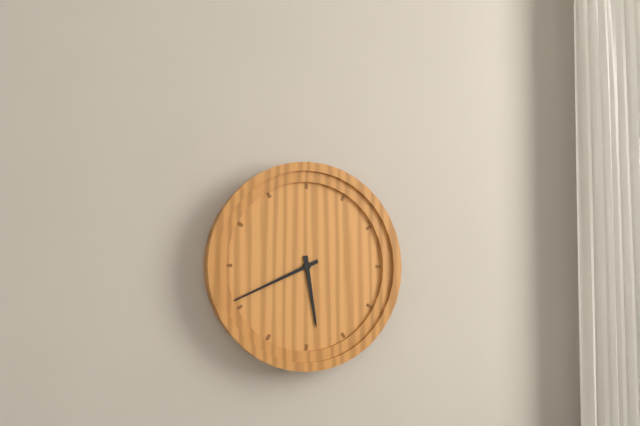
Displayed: 5 h 41 min
